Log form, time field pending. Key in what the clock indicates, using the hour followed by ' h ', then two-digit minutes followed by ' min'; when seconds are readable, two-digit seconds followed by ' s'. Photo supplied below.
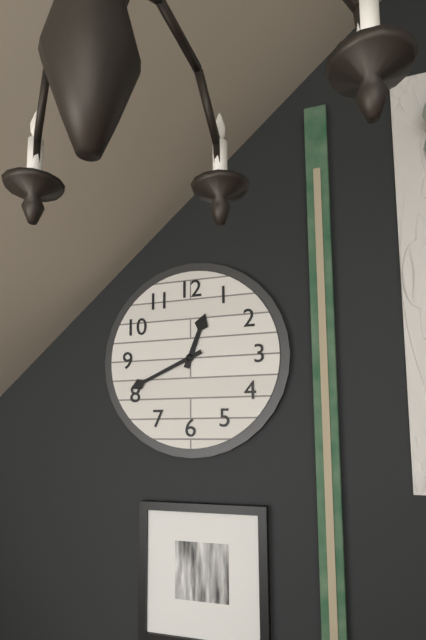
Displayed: 12 h 41 min
